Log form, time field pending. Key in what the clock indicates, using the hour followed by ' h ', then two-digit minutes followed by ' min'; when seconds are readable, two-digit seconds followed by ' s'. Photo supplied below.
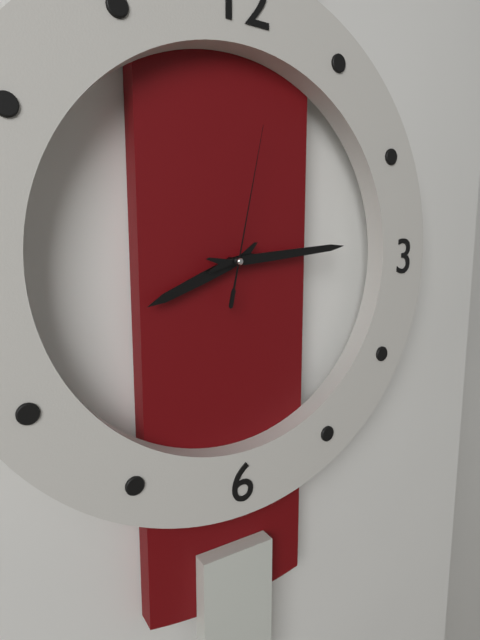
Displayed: 8 h 14 min 02 s
